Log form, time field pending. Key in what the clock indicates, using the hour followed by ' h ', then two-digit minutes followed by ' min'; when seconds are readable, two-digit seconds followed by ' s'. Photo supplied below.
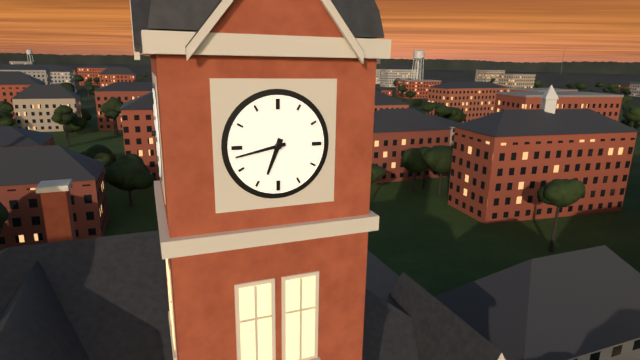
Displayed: 6 h 43 min
